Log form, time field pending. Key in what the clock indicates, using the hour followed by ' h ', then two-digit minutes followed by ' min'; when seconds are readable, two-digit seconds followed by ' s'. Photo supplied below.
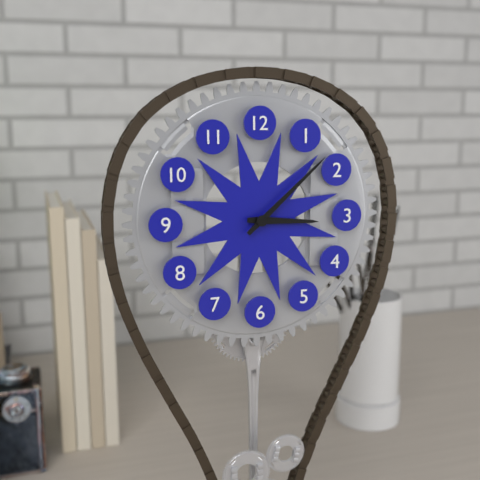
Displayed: 3 h 08 min
